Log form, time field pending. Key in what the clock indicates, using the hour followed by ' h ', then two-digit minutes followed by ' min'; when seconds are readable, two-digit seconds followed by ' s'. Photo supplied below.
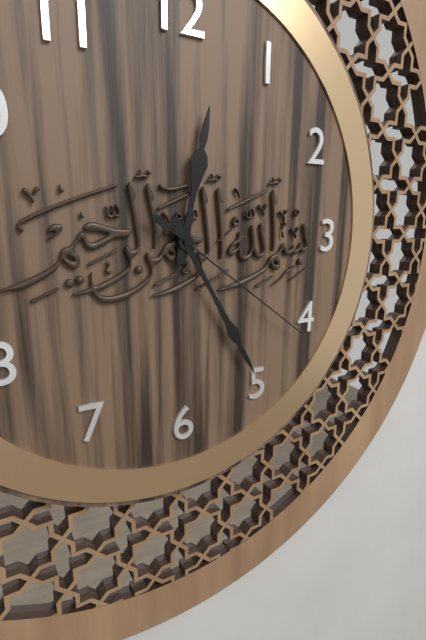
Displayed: 12 h 25 min 21 s
